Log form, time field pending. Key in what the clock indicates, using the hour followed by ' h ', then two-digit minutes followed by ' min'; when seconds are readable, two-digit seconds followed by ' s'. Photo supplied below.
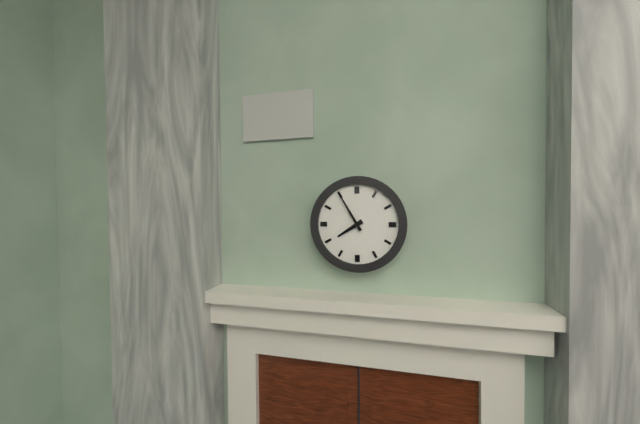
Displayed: 7 h 55 min
